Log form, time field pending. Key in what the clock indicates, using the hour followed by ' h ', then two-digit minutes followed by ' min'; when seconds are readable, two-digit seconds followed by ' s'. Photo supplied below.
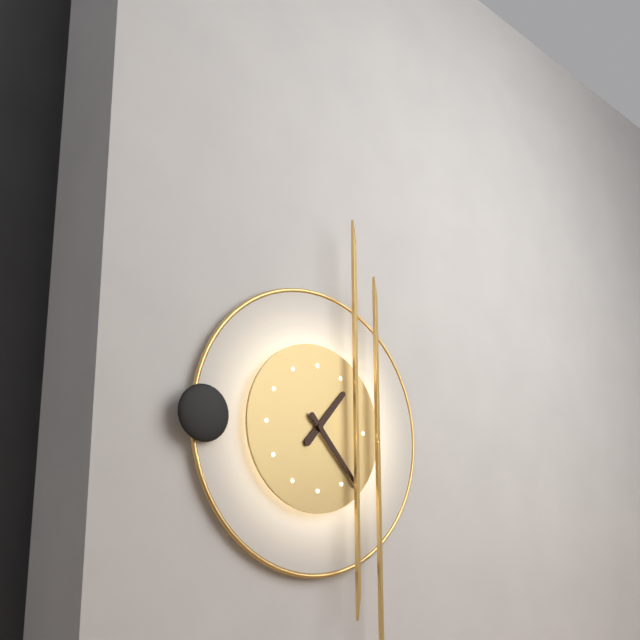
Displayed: 1 h 23 min
